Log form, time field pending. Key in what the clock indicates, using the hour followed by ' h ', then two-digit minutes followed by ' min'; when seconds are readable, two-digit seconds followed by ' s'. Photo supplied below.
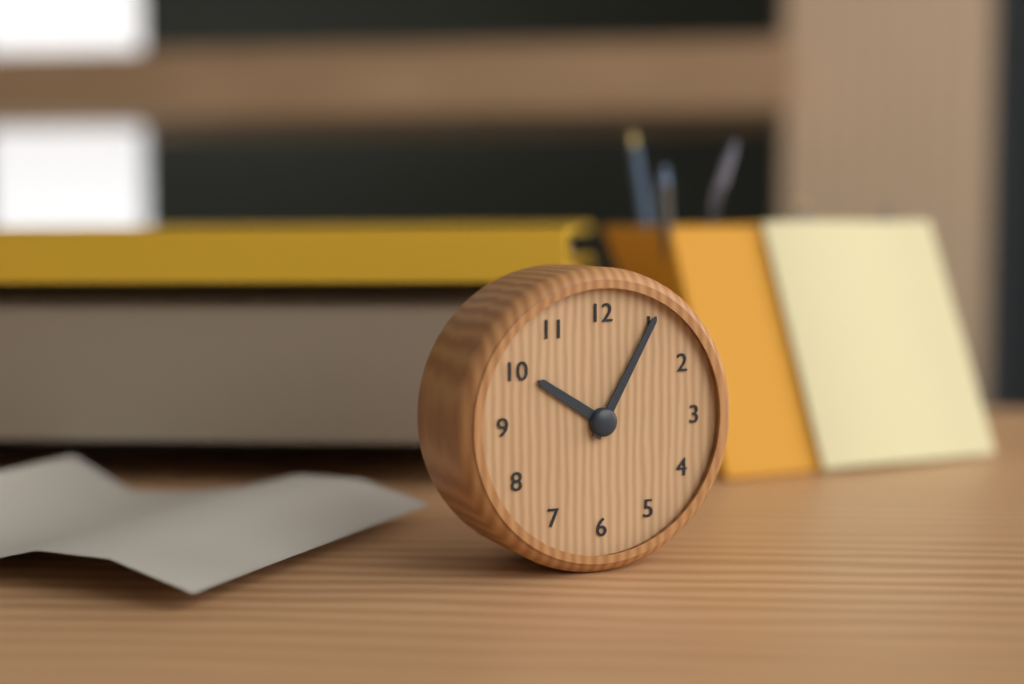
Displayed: 10 h 05 min
